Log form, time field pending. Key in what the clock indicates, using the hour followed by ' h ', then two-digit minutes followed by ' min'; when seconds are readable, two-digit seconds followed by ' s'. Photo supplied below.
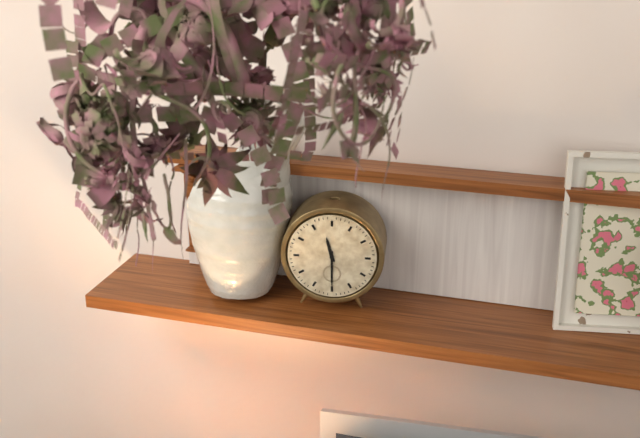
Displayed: 11 h 30 min
